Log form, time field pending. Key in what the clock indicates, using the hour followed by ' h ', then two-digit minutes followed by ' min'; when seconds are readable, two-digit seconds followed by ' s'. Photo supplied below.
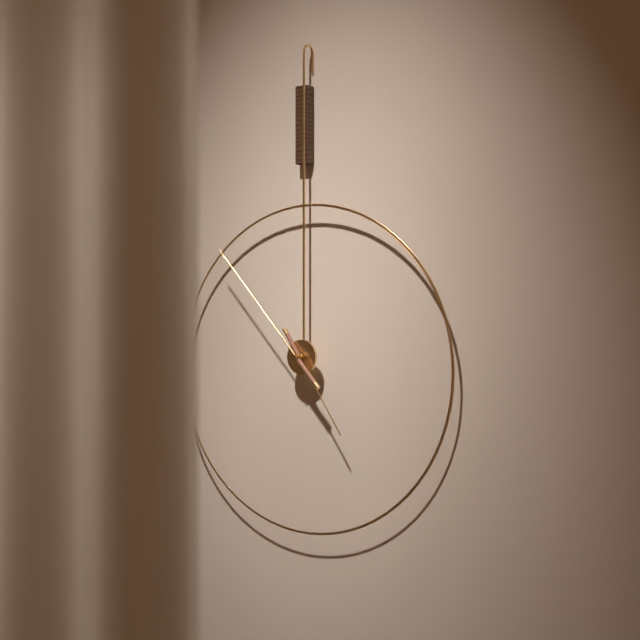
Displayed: 4 h 53 min
